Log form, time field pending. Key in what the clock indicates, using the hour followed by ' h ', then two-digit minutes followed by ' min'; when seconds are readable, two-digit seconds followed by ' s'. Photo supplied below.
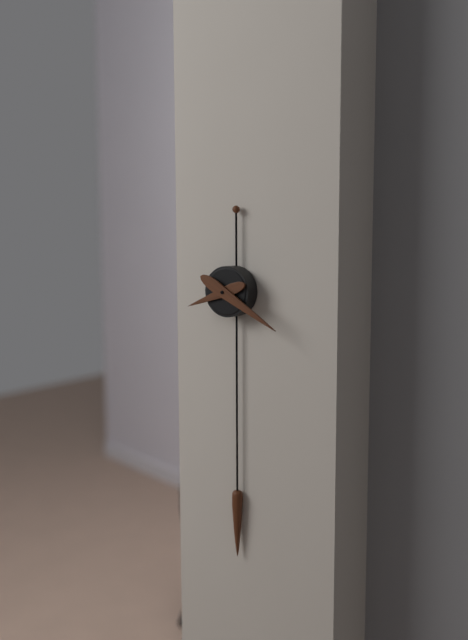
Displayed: 8 h 20 min
